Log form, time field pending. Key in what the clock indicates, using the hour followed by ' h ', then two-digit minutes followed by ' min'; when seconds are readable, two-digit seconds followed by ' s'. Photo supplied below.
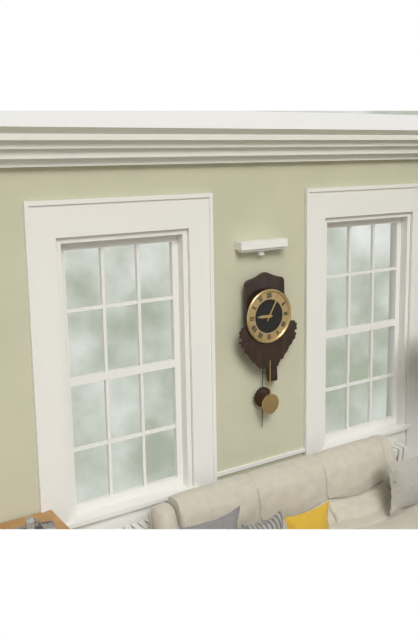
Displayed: 9 h 05 min
